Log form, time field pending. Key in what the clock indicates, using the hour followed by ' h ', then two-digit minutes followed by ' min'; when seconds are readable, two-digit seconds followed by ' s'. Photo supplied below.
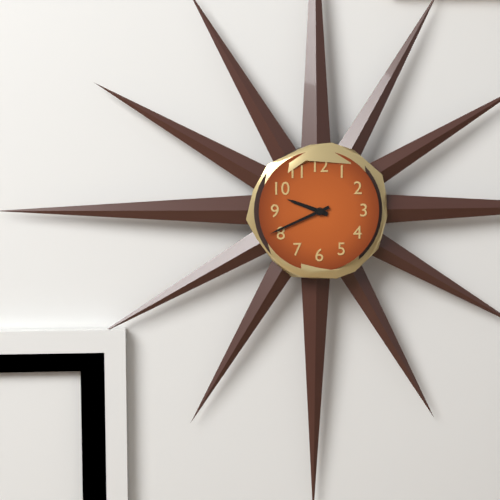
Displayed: 9 h 41 min
